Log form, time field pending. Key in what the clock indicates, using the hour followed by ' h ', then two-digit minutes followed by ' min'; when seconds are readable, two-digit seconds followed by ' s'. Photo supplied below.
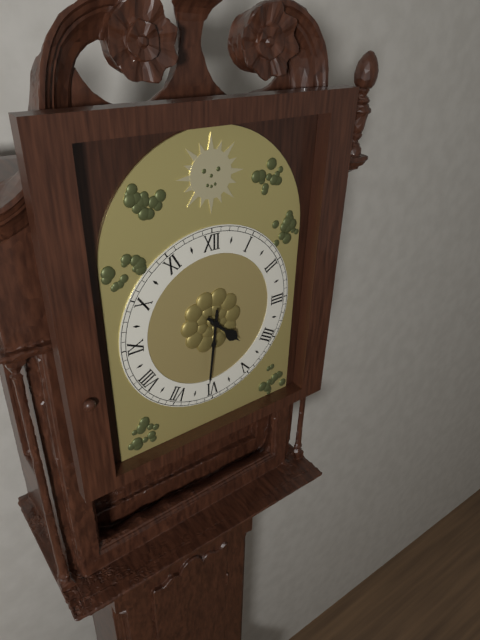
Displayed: 4 h 31 min
